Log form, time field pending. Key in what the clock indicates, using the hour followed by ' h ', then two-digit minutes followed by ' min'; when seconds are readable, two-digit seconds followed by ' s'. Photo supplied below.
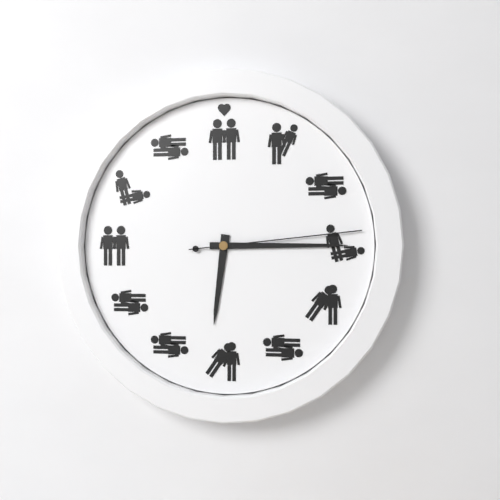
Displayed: 6 h 15 min 14 s
